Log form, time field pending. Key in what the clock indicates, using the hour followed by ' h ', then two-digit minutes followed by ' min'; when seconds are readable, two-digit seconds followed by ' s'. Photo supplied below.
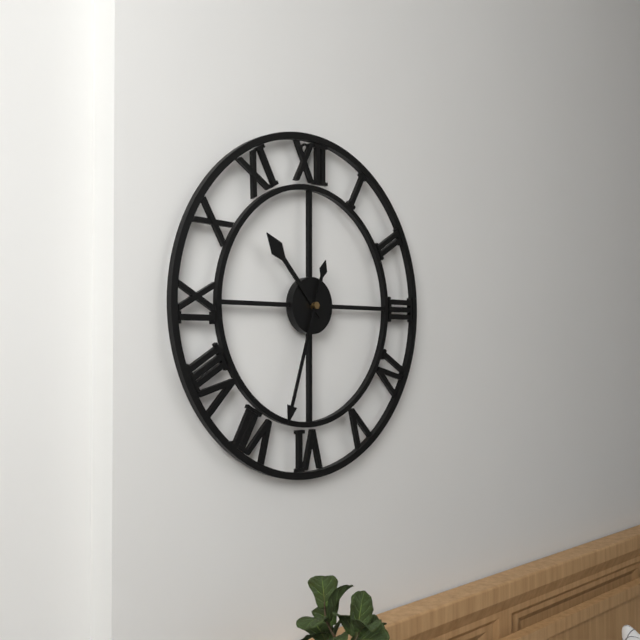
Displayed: 10 h 33 min
